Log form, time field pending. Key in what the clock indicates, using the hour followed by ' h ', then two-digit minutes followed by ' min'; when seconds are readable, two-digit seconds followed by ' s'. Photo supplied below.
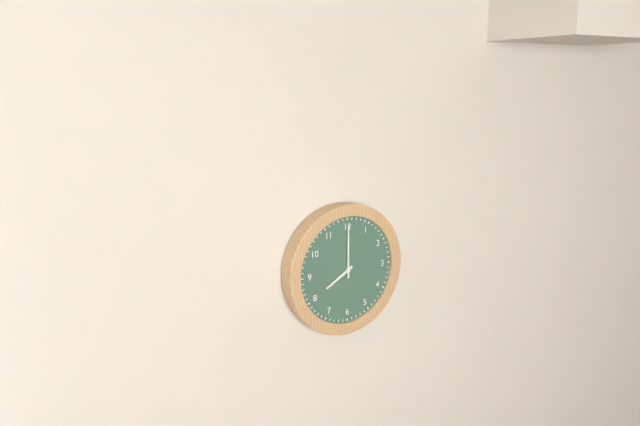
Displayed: 8 h 00 min
